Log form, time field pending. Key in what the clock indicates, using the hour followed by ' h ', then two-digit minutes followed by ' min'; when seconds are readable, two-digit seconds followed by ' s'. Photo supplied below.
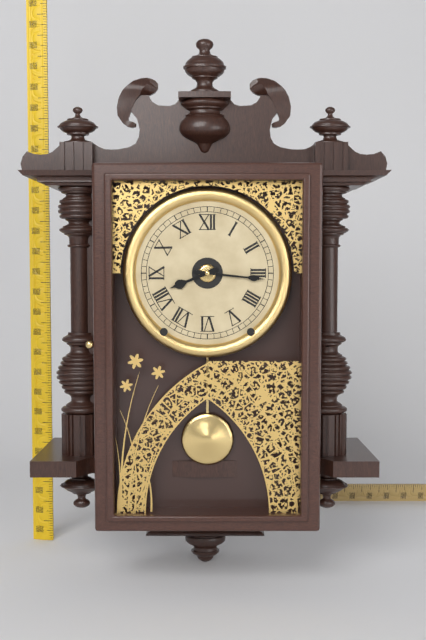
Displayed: 8 h 16 min
